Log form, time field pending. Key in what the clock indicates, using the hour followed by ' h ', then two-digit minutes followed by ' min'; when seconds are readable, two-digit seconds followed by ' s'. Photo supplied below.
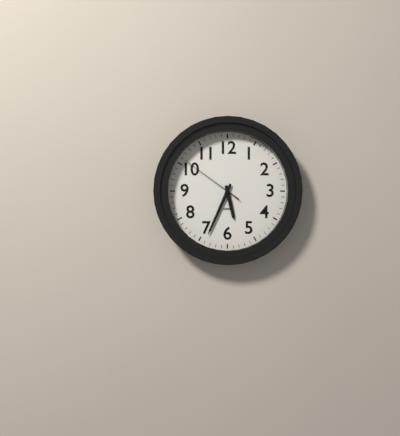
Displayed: 5 h 34 min 51 s
